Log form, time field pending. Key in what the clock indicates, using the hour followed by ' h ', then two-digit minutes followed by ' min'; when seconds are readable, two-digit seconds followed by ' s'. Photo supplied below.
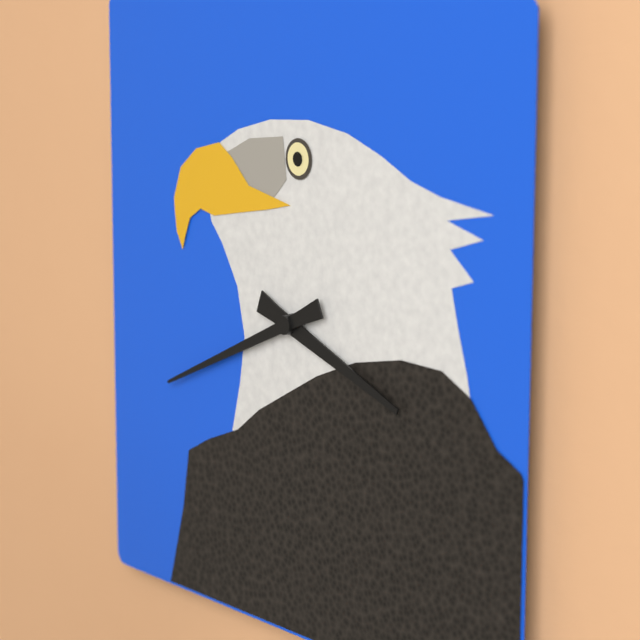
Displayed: 3 h 41 min
